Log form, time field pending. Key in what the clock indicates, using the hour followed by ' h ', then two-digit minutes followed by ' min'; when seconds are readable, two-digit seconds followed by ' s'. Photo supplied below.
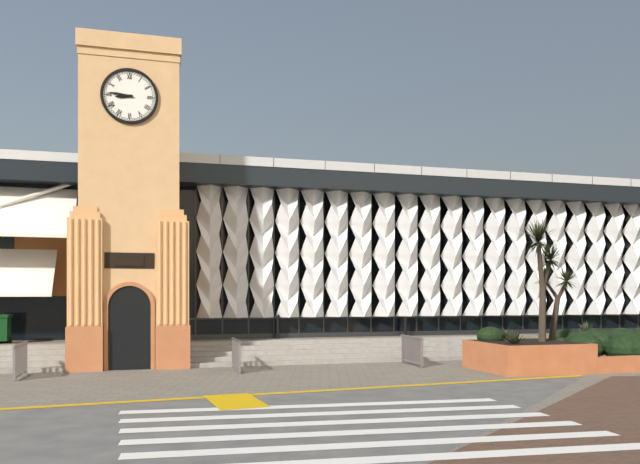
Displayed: 8 h 46 min
